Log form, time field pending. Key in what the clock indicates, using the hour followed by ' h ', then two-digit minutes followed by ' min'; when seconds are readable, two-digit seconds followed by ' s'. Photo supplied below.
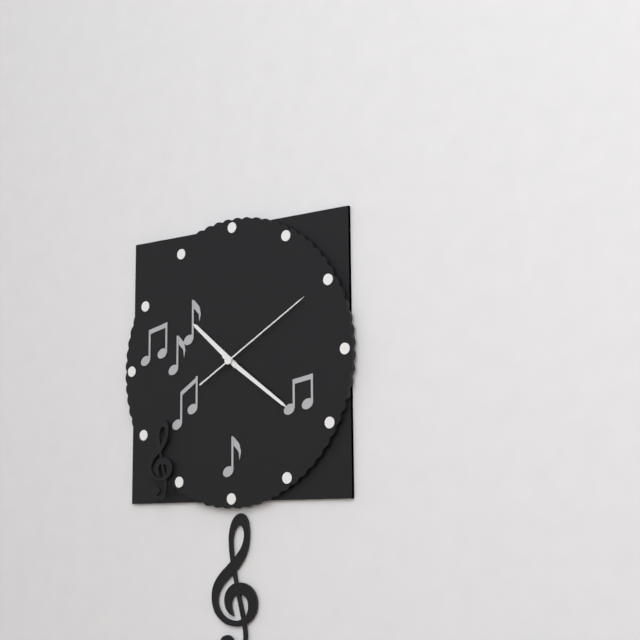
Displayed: 10 h 21 min 10 s
